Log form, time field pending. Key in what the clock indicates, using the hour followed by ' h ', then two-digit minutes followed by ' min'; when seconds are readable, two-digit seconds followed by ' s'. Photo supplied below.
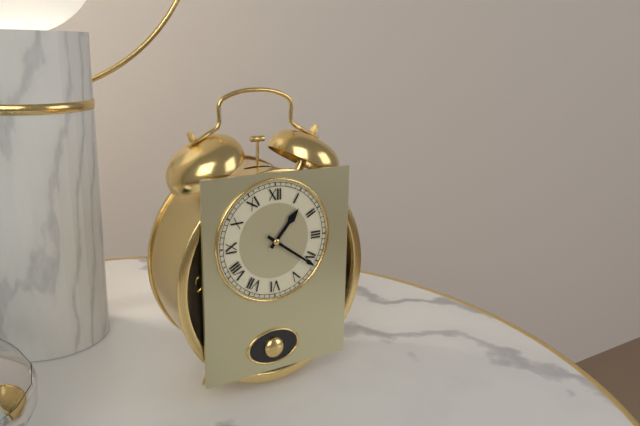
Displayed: 1 h 21 min
